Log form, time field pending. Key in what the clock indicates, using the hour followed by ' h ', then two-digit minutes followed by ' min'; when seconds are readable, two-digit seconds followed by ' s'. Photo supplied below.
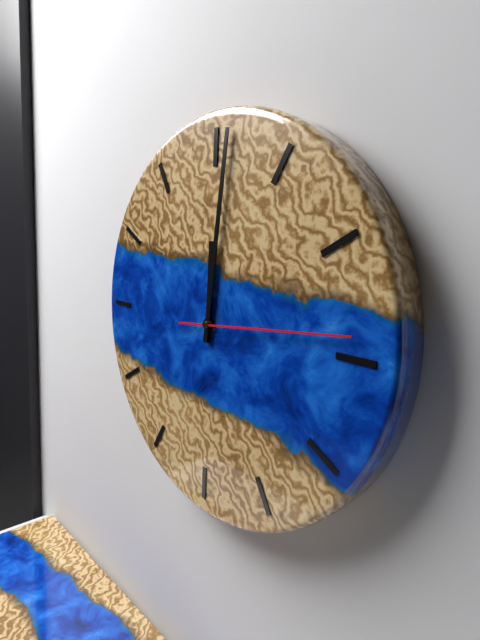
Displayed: 12 h 01 min 14 s
